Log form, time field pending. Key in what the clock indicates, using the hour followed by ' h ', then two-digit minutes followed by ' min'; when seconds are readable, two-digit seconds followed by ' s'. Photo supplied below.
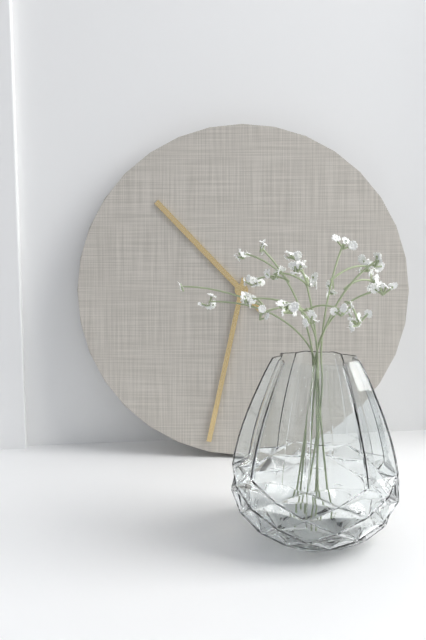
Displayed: 10 h 32 min
